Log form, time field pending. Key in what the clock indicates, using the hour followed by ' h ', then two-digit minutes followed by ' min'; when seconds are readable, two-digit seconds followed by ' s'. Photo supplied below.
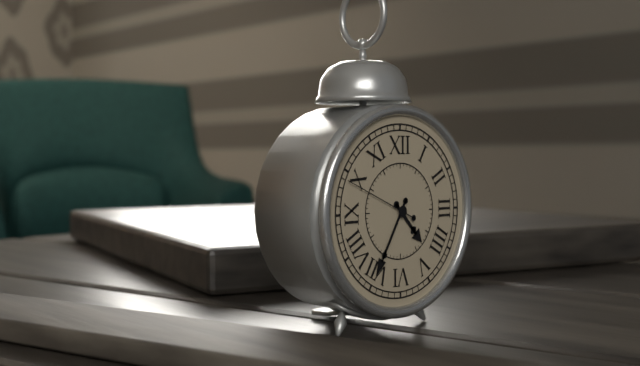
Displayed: 4 h 35 min 49 s
